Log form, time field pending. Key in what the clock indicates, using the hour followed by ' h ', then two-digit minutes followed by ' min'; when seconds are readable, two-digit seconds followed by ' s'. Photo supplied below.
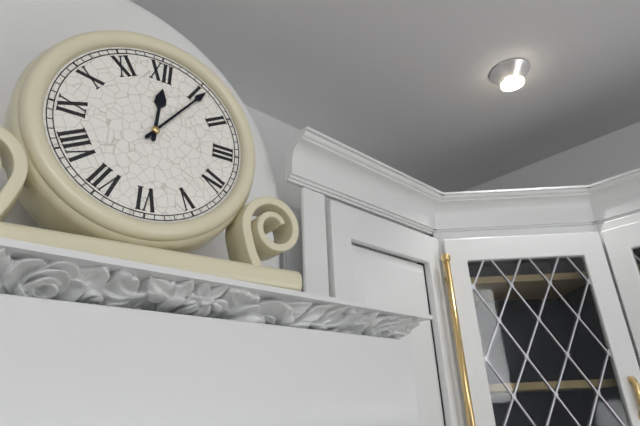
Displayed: 12 h 06 min
